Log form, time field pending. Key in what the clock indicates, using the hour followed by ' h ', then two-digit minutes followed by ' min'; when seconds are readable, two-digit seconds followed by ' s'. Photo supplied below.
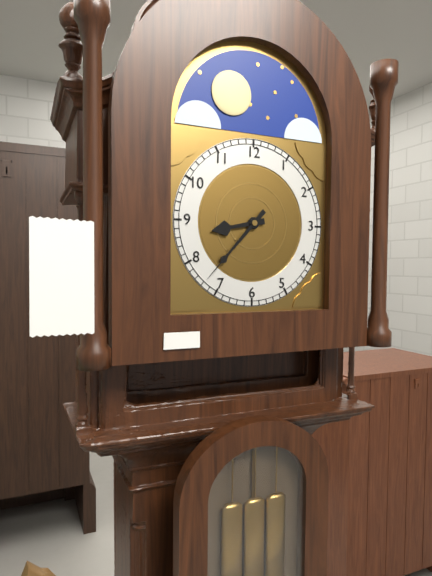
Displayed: 8 h 37 min
